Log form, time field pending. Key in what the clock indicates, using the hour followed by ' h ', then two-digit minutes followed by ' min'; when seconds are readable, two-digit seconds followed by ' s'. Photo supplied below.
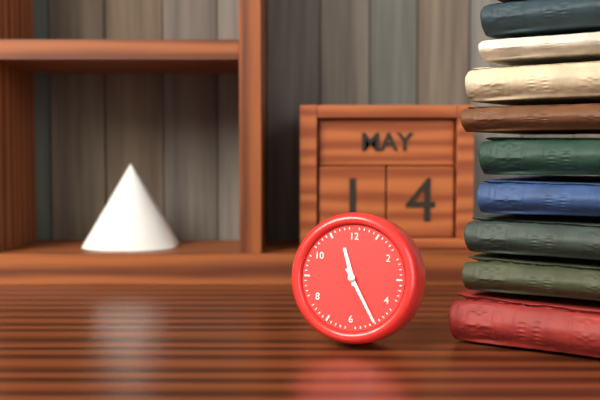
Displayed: 11 h 25 min
